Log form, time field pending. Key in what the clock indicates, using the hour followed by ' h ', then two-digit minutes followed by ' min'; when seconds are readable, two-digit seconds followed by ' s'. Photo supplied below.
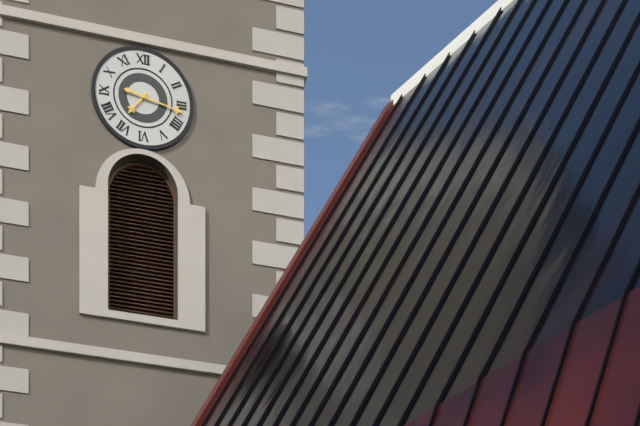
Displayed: 7 h 17 min
